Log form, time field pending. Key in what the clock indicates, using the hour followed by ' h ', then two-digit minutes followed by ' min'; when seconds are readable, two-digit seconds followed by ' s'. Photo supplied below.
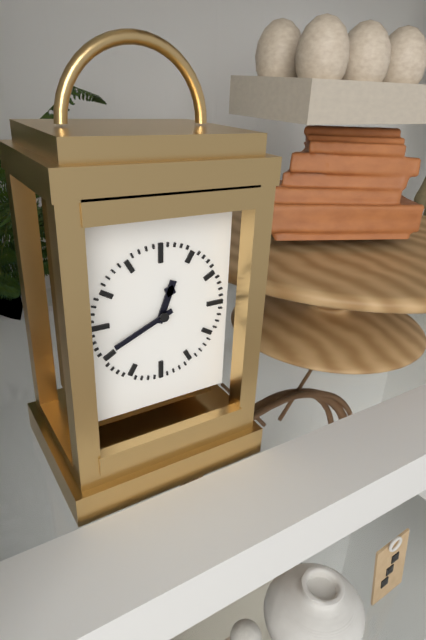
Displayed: 12 h 41 min
